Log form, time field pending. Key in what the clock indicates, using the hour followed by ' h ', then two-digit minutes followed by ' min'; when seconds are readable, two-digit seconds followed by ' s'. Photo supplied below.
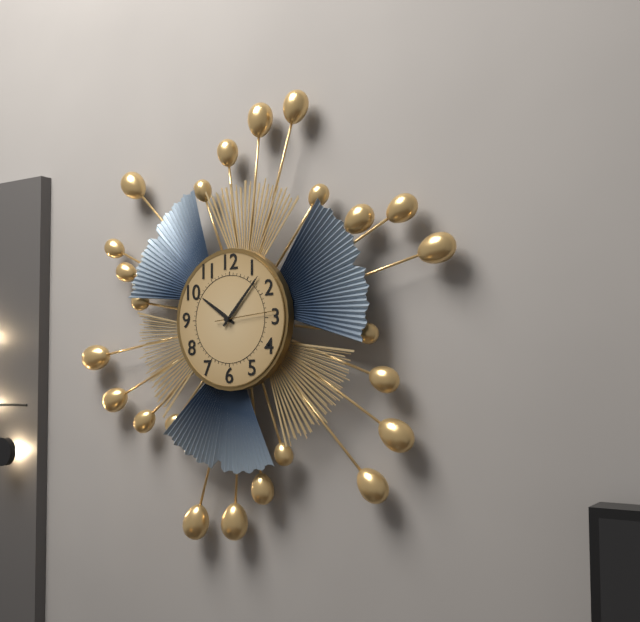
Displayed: 10 h 07 min 14 s
